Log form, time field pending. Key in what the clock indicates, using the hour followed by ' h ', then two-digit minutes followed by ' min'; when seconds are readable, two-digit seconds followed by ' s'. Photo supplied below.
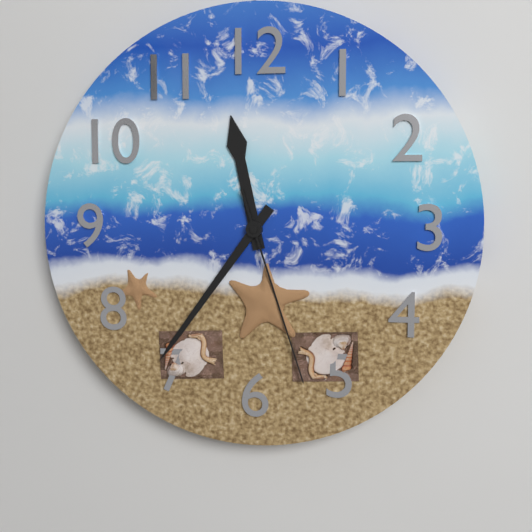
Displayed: 11 h 36 min 27 s
